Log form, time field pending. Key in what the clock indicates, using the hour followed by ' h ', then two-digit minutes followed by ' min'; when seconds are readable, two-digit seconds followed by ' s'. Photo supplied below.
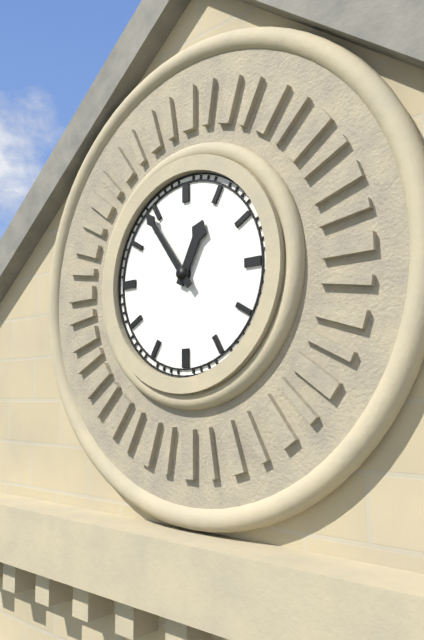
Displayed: 12 h 54 min
